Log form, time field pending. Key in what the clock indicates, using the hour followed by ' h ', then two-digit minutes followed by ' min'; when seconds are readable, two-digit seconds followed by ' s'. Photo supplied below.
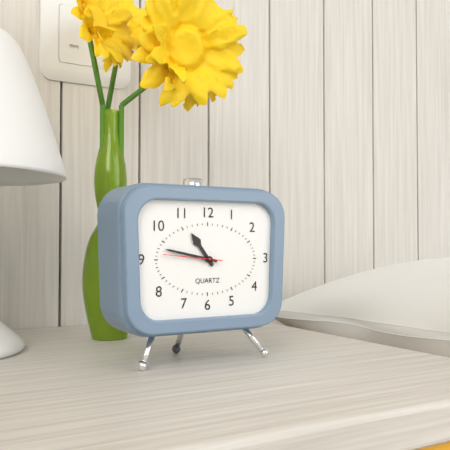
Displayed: 10 h 47 min 46 s
